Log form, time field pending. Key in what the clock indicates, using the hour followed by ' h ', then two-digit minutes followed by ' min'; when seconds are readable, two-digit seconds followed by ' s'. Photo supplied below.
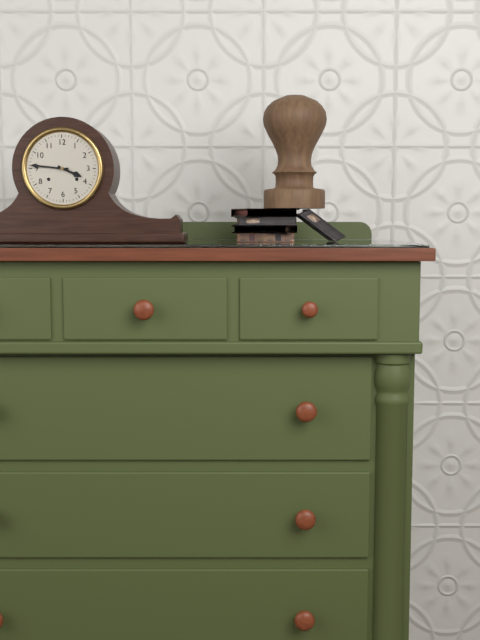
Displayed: 3 h 46 min
